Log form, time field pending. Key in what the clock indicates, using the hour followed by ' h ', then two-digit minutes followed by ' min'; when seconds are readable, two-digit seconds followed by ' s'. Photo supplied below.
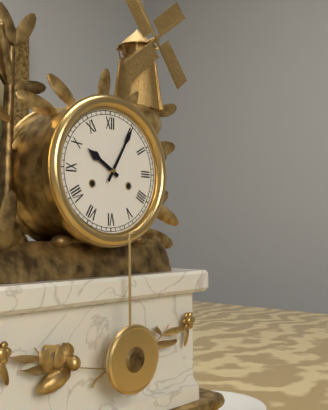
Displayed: 10 h 05 min
